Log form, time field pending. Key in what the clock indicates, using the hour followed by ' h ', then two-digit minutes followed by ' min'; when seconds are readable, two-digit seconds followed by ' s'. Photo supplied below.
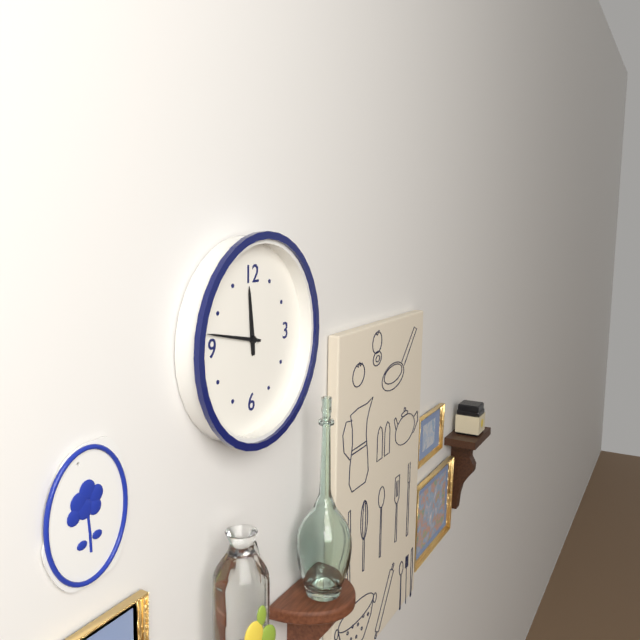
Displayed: 11 h 47 min
